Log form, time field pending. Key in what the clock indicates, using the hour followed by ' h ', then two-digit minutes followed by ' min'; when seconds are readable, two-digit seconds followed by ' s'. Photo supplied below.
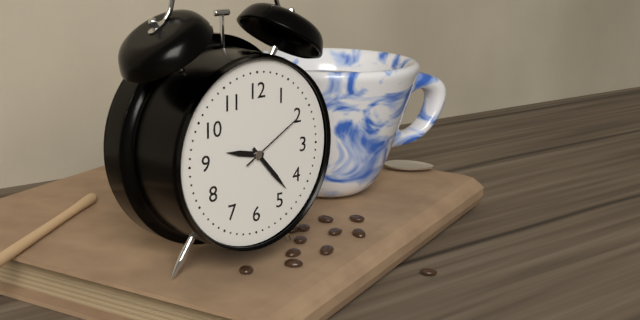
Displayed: 9 h 23 min 10 s
